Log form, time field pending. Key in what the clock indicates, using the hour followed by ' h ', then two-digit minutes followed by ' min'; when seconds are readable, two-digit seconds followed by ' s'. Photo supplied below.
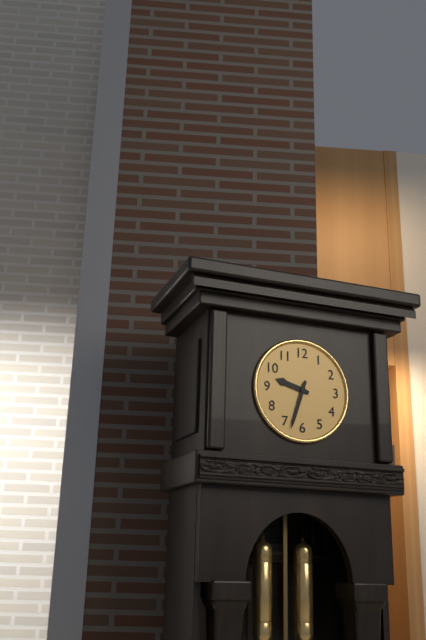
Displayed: 9 h 33 min
